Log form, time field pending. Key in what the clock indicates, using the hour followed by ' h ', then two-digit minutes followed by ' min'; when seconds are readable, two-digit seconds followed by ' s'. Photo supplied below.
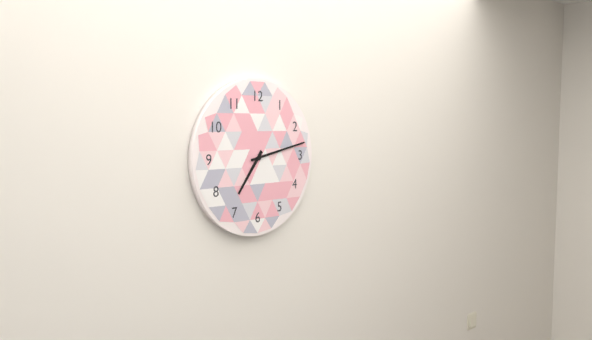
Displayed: 7 h 13 min
